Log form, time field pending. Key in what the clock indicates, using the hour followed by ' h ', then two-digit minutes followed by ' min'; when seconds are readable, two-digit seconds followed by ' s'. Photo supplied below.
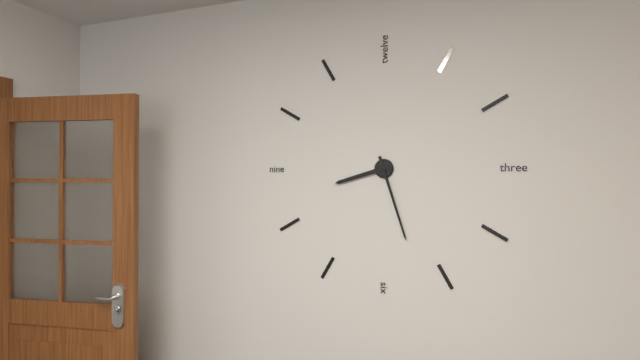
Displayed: 8 h 27 min
